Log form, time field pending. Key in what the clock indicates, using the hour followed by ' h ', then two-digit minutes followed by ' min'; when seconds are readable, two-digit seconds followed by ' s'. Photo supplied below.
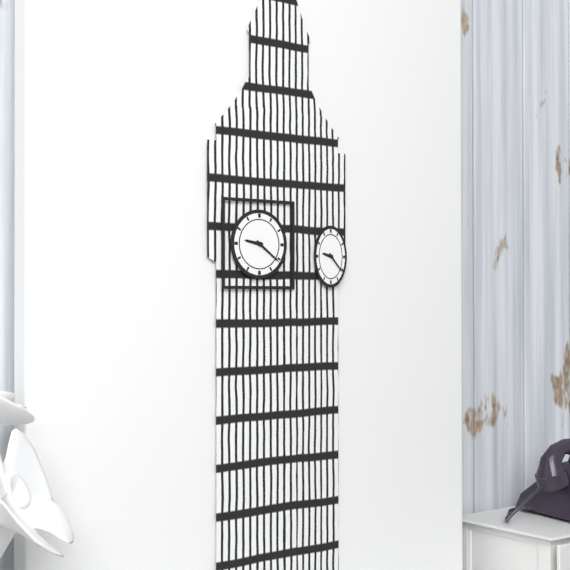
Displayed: 9 h 21 min
